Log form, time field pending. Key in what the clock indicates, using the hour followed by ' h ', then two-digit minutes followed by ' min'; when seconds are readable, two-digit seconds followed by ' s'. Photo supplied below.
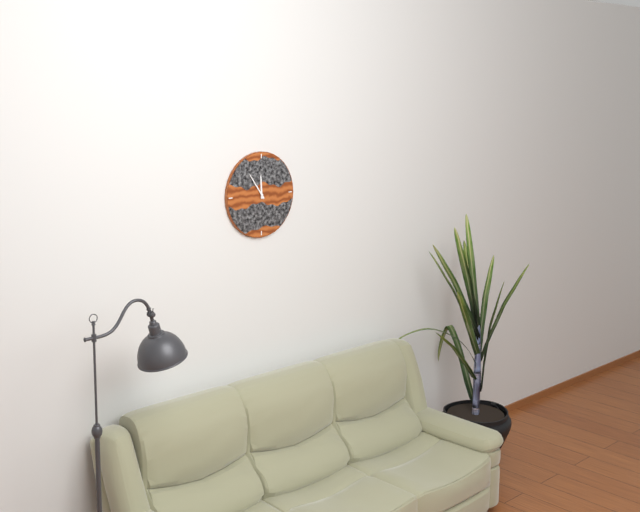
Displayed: 11 h 54 min
